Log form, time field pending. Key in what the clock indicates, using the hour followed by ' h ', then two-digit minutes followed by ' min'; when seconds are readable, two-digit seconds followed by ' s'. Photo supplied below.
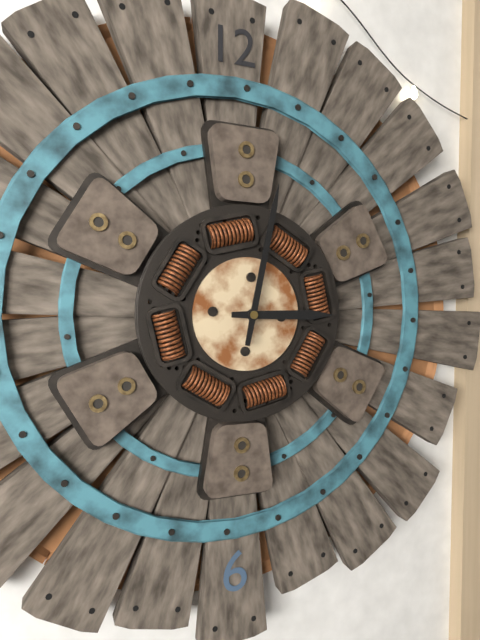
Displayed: 3 h 02 min
